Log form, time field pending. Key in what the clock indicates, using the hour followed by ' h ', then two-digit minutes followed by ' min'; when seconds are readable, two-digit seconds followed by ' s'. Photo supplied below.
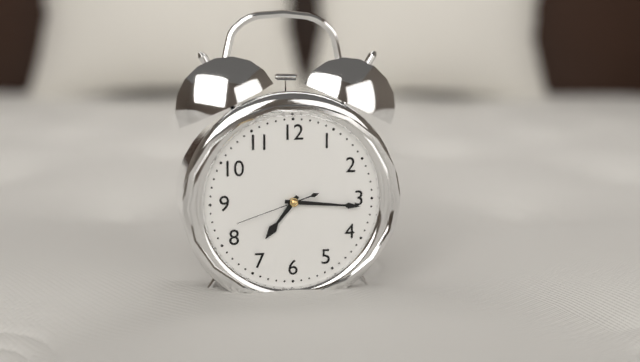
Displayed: 7 h 16 min 42 s
